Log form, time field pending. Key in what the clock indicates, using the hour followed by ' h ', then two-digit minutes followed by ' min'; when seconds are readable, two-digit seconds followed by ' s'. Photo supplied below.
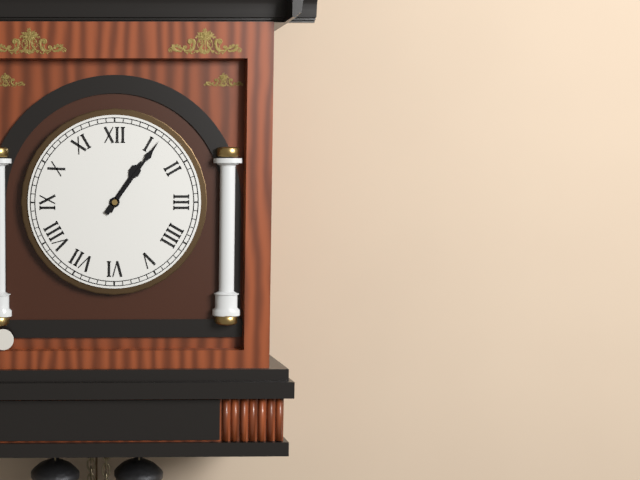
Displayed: 1 h 06 min
